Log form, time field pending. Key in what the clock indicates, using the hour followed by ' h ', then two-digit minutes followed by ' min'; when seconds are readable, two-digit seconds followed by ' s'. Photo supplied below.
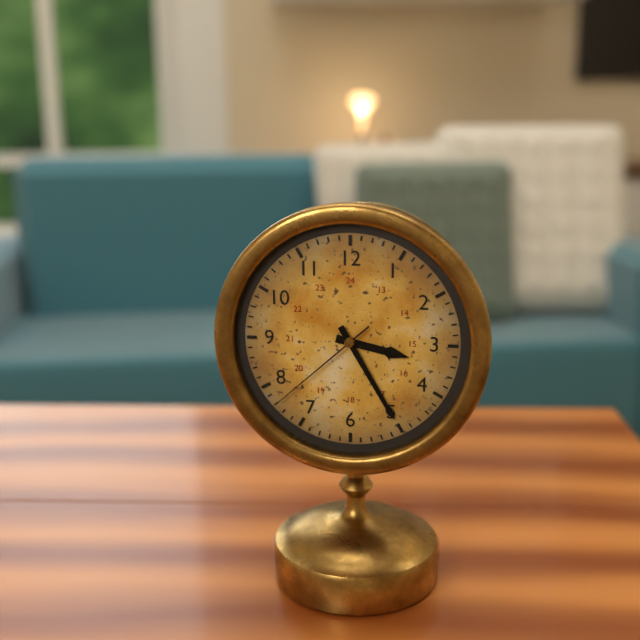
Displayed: 3 h 25 min 38 s
